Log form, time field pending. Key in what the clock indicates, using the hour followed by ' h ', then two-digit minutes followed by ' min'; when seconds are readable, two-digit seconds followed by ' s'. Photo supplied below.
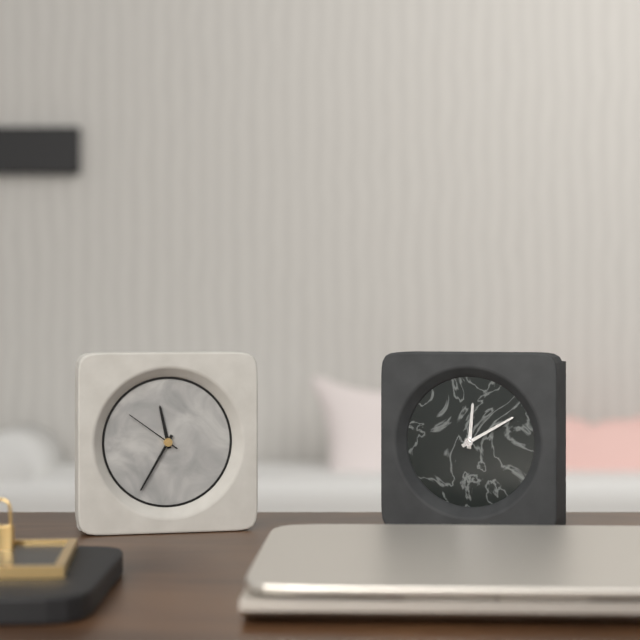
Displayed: 11 h 35 min 51 s
